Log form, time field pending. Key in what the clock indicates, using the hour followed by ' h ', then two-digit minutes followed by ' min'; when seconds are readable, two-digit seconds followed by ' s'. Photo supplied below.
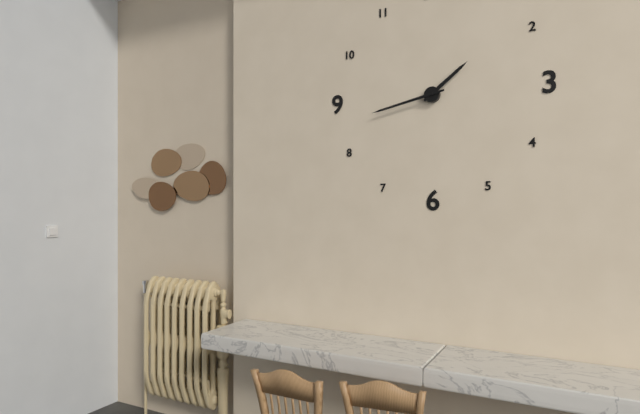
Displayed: 1 h 43 min
